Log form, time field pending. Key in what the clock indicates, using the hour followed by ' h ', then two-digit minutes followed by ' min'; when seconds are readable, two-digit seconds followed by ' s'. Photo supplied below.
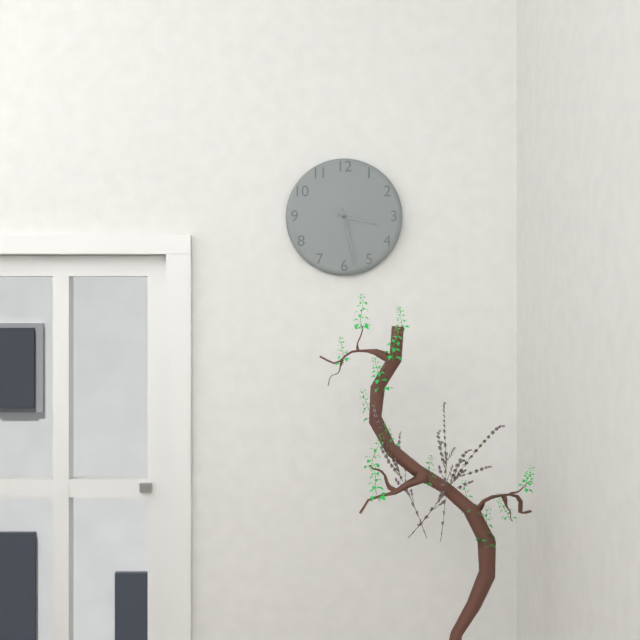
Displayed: 3 h 28 min
